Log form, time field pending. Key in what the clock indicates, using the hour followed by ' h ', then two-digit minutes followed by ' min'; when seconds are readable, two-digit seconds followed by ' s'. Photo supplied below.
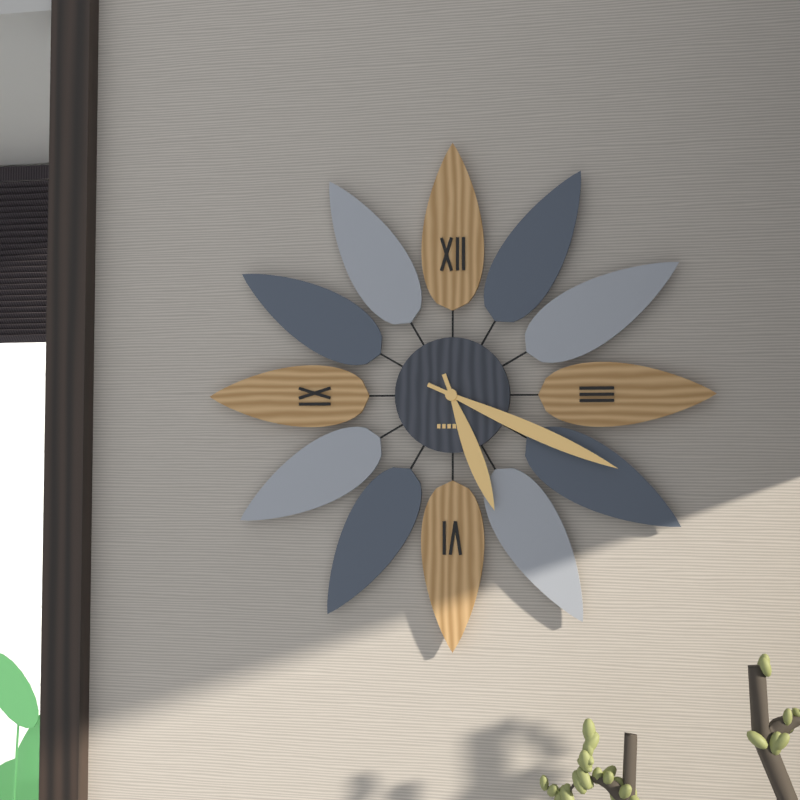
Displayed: 5 h 19 min
